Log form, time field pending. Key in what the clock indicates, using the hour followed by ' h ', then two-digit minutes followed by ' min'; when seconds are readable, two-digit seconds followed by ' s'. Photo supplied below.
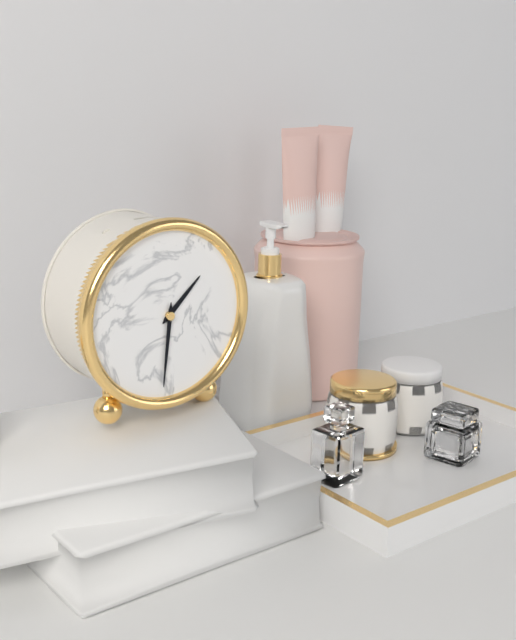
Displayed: 1 h 31 min
